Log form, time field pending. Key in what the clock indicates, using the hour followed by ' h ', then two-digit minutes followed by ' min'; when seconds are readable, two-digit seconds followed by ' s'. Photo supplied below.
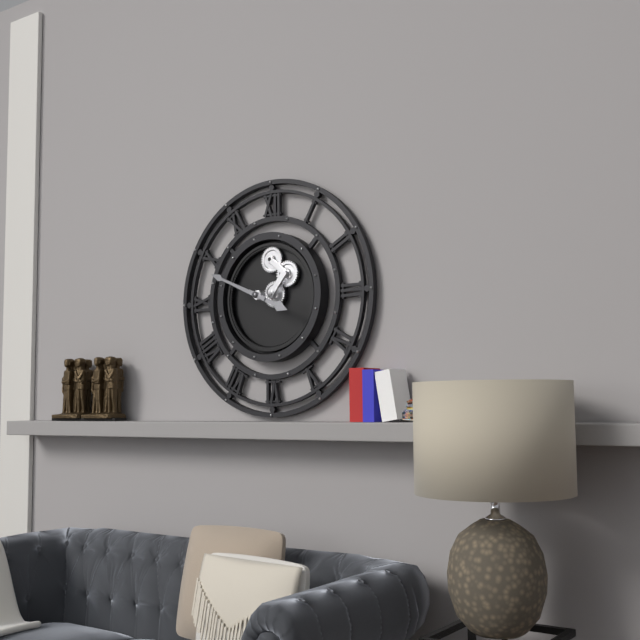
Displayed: 3 h 49 min
